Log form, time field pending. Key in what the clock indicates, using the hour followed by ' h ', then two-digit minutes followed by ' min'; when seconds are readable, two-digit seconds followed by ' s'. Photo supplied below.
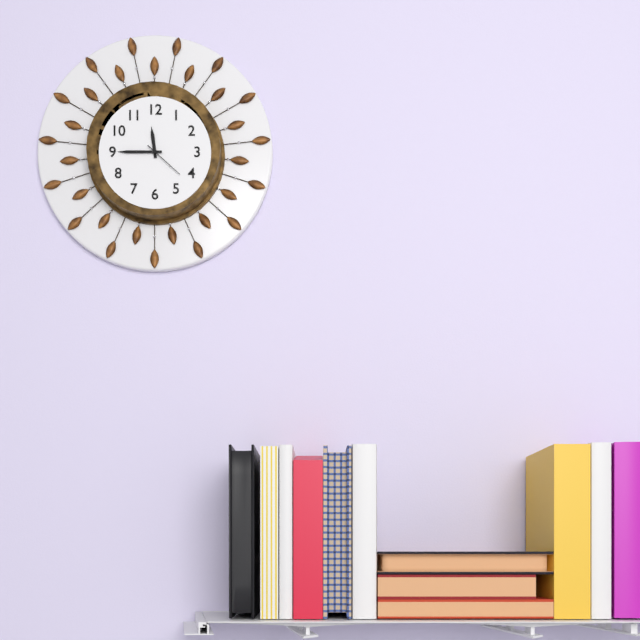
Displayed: 11 h 45 min
